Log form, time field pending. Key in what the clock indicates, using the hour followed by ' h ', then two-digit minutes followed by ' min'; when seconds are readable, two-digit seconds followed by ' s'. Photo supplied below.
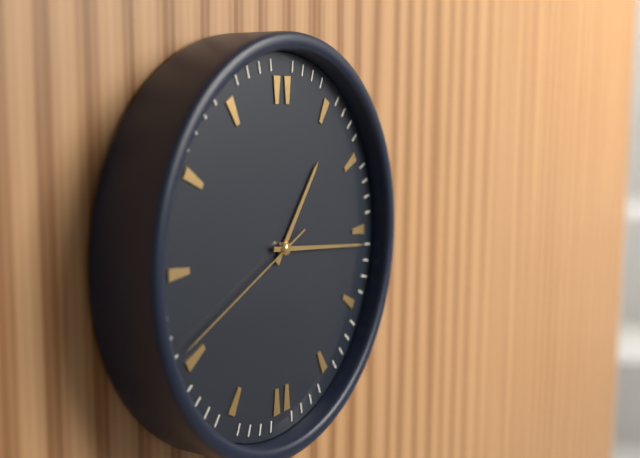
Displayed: 1 h 16 min 41 s
